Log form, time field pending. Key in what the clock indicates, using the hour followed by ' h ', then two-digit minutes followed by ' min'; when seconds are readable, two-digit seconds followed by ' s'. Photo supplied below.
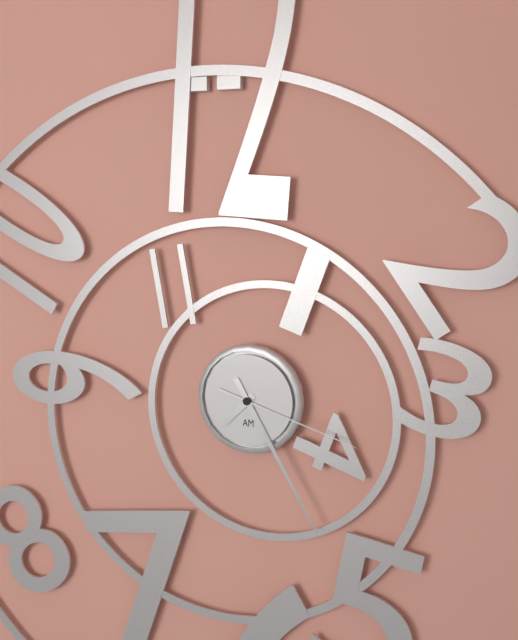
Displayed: 7 h 25 min 18 s
